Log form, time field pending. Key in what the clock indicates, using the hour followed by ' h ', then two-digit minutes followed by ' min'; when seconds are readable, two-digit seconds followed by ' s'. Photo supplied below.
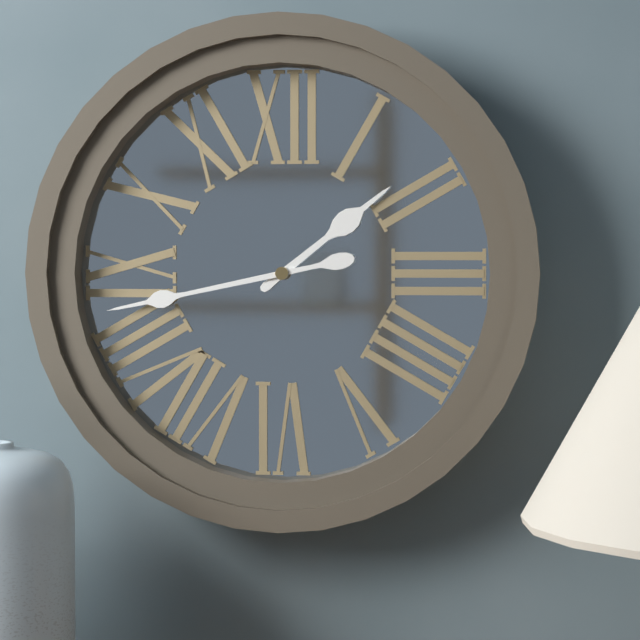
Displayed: 1 h 43 min
